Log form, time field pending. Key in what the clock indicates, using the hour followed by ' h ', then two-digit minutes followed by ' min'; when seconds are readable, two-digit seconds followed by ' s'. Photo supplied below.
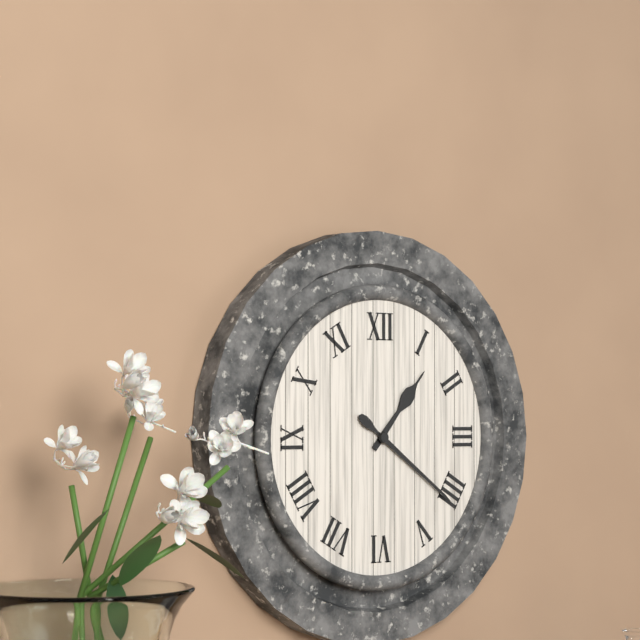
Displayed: 1 h 21 min
